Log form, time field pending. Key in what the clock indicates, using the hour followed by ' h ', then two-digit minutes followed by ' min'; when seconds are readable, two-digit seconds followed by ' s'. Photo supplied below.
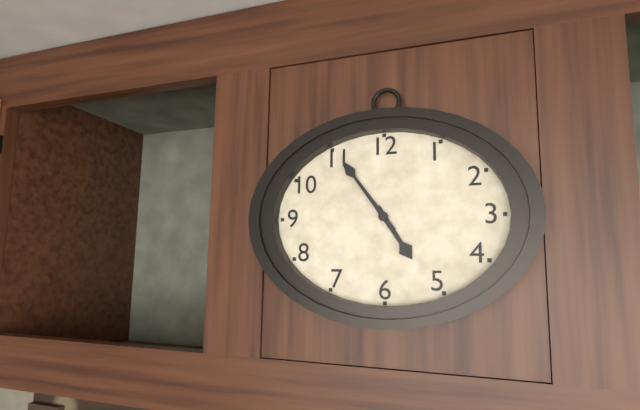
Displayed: 4 h 54 min
